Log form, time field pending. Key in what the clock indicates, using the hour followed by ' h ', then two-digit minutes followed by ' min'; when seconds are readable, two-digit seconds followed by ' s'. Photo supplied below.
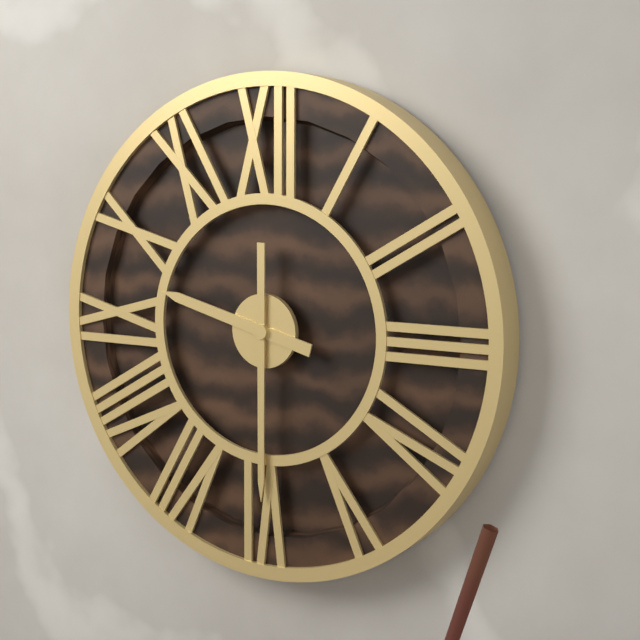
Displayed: 9 h 30 min
